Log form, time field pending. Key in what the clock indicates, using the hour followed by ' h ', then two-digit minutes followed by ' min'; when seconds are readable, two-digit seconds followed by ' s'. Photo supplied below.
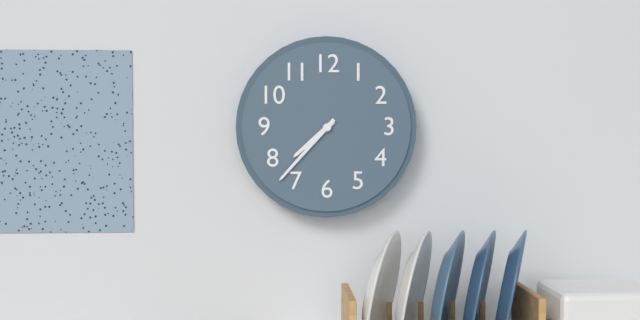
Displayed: 7 h 37 min
